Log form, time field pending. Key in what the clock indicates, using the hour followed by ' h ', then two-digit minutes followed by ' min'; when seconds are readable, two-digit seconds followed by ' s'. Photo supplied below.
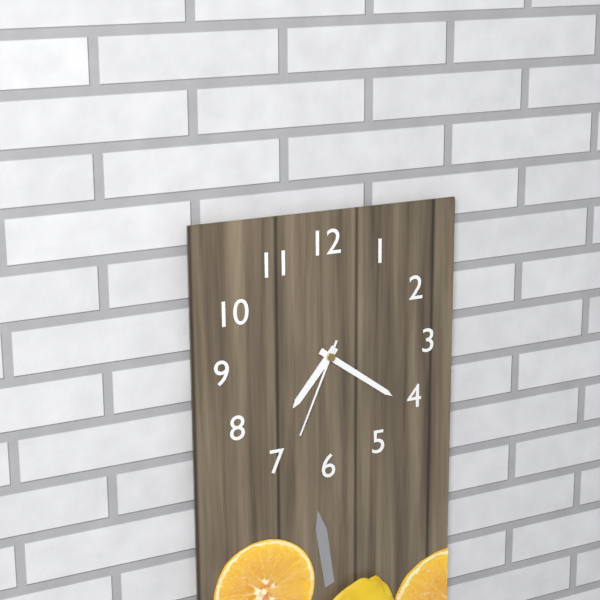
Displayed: 7 h 21 min 34 s
